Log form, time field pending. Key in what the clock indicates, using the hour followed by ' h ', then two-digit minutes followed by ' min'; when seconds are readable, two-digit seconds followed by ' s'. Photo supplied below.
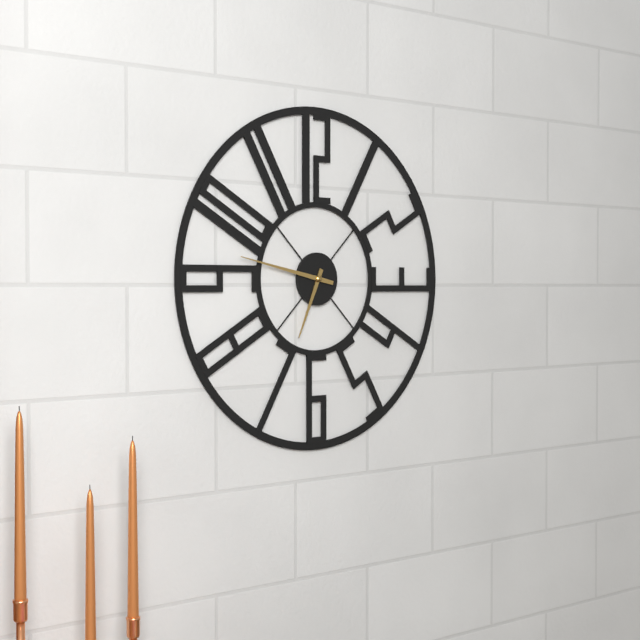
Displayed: 6 h 47 min
